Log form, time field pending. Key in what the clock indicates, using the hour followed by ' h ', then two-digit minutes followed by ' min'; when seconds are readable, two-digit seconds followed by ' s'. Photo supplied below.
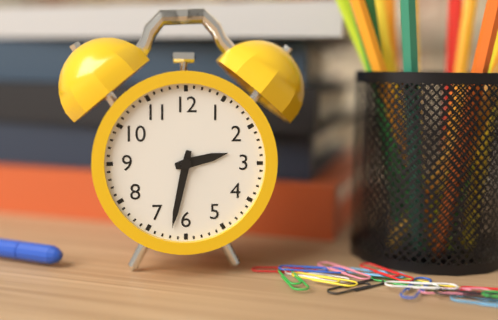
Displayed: 2 h 32 min
